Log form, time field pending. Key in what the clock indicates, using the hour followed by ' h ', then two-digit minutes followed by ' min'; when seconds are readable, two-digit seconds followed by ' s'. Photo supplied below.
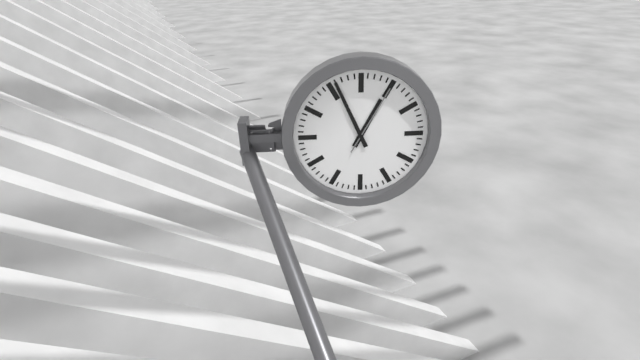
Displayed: 12 h 56 min 05 s
